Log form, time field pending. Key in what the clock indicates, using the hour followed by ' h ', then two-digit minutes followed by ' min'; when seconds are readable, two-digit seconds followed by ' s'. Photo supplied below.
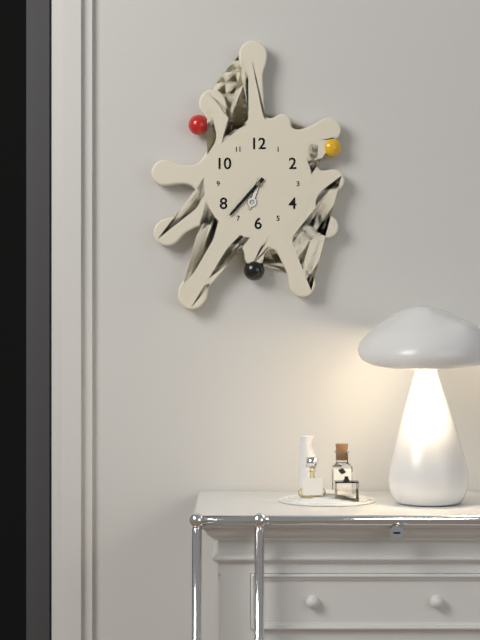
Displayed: 6 h 37 min
